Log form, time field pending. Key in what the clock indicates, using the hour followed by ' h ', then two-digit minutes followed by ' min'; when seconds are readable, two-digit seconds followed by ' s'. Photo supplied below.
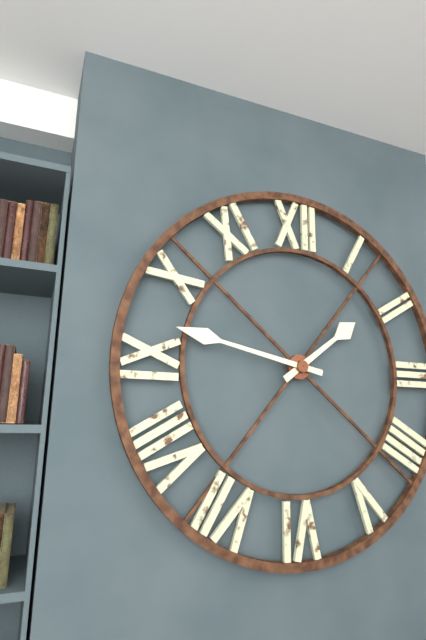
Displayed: 1 h 47 min
